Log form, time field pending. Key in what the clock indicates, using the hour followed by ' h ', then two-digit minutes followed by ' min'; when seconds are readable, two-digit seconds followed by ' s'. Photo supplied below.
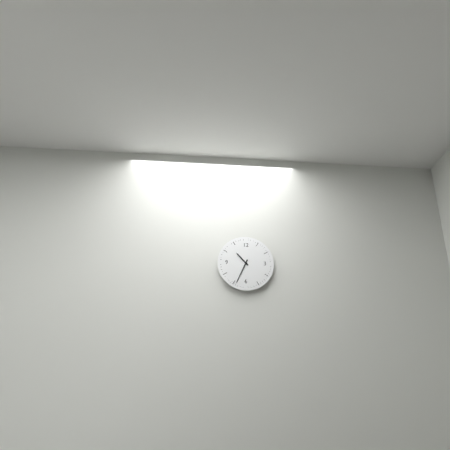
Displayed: 10 h 34 min
